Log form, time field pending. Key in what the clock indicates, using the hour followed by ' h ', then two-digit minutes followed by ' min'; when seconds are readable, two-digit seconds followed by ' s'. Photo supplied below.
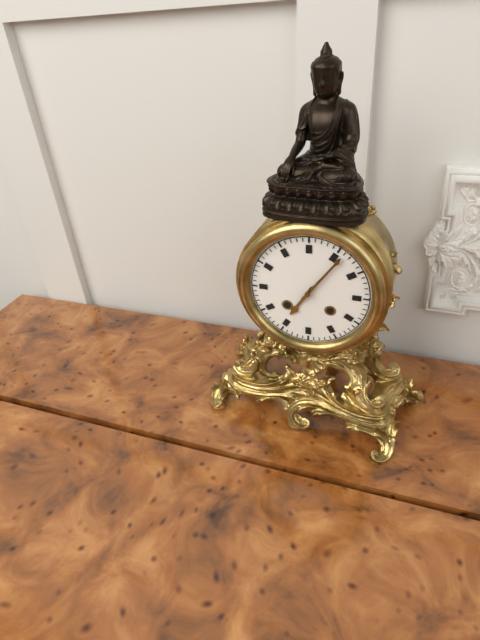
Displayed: 7 h 06 min
